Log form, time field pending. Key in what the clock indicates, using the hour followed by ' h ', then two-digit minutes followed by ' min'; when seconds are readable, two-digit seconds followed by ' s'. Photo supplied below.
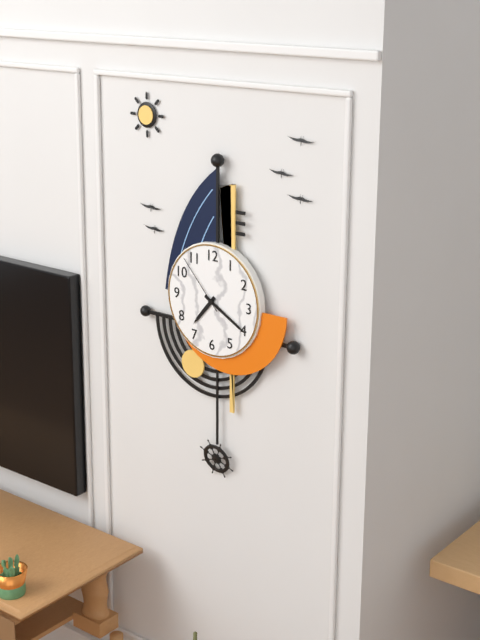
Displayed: 7 h 20 min 53 s
